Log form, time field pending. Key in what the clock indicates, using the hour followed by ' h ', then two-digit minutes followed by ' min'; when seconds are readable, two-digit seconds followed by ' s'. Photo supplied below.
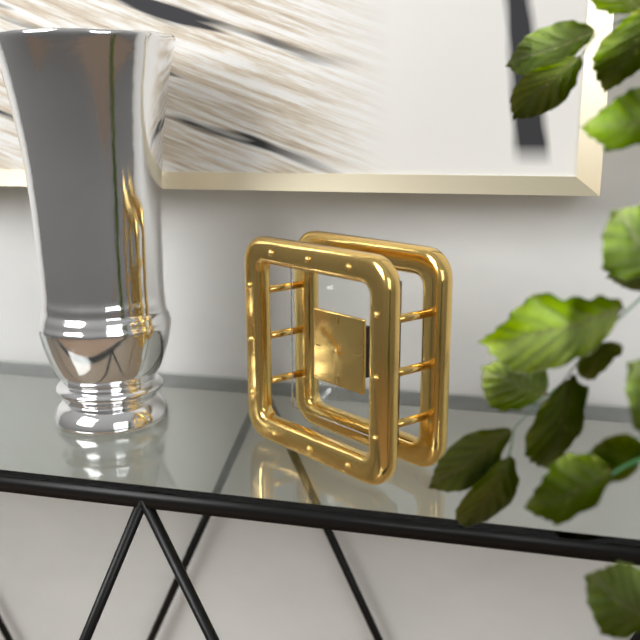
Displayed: 10 h 12 min
